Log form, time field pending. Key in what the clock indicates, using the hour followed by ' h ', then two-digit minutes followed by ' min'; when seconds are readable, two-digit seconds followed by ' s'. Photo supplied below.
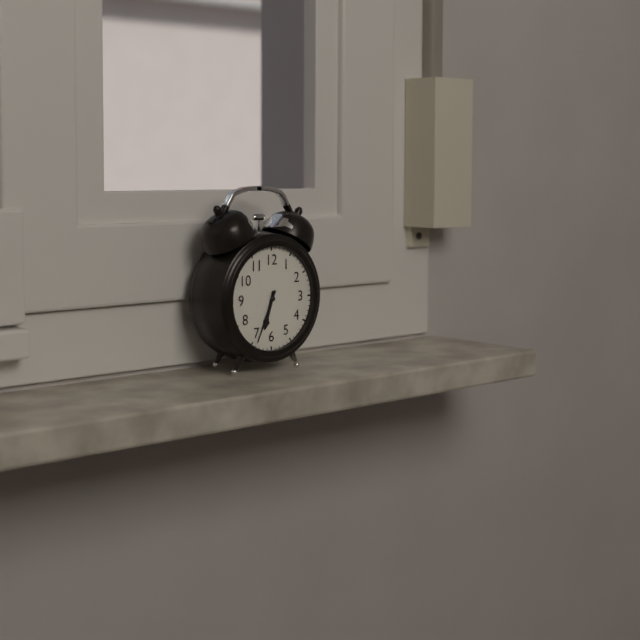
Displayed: 6 h 34 min
